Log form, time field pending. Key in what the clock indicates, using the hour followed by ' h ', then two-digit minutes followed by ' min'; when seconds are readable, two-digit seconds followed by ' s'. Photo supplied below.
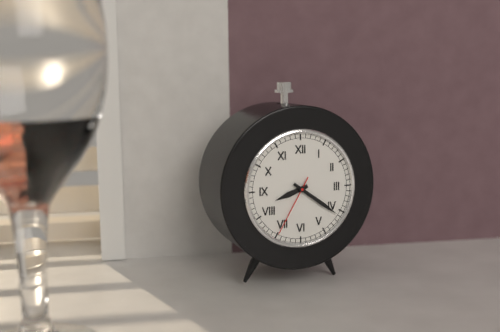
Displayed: 8 h 21 min 35 s
